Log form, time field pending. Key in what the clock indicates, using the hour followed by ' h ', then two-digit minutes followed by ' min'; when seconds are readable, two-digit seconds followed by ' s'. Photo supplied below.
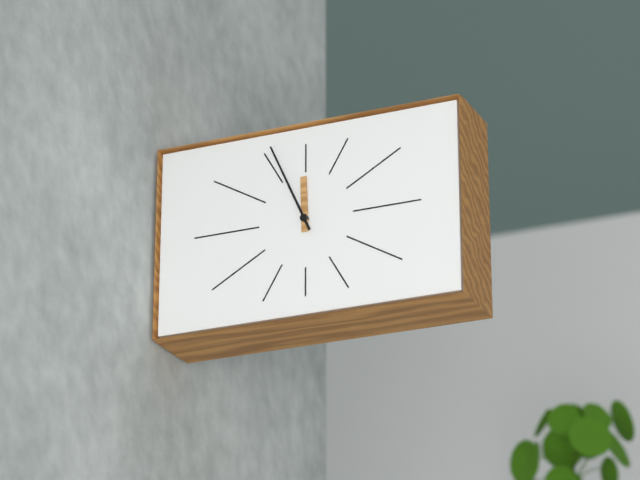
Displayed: 11 h 56 min
